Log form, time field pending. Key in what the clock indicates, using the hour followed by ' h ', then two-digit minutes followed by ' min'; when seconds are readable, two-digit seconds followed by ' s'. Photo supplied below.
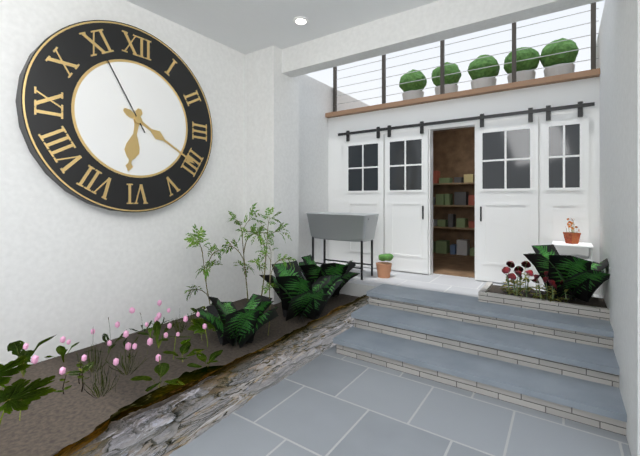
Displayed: 6 h 20 min 55 s
